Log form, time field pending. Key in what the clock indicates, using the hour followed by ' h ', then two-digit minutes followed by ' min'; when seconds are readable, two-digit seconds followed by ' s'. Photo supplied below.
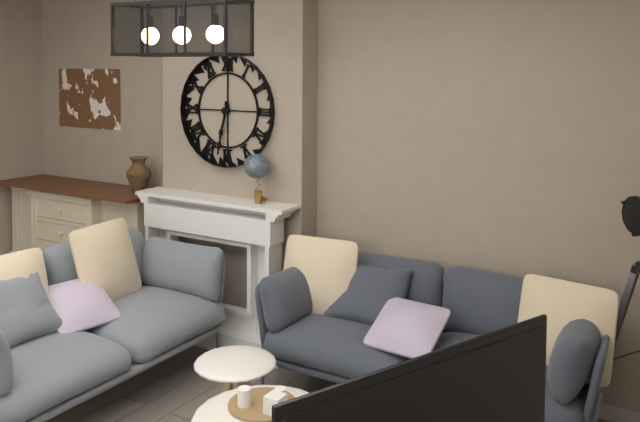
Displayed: 6 h 32 min
